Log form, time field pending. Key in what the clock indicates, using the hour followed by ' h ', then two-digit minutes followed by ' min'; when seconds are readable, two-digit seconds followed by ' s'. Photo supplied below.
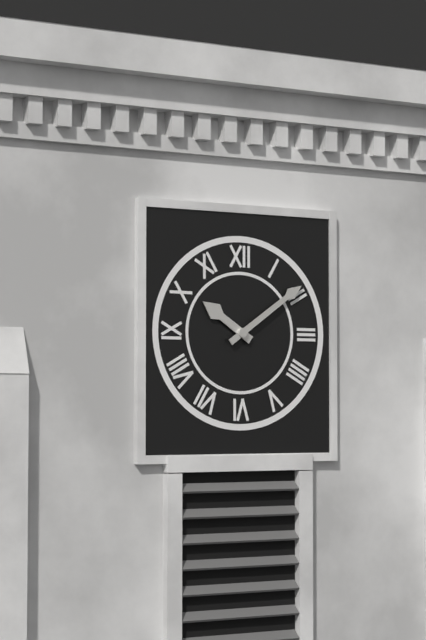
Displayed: 10 h 09 min
